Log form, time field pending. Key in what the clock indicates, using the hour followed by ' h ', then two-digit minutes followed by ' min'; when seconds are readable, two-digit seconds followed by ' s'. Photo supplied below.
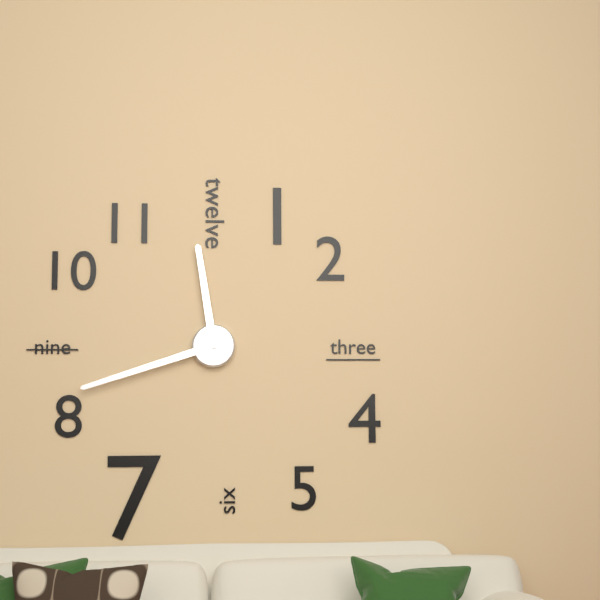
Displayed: 11 h 42 min
